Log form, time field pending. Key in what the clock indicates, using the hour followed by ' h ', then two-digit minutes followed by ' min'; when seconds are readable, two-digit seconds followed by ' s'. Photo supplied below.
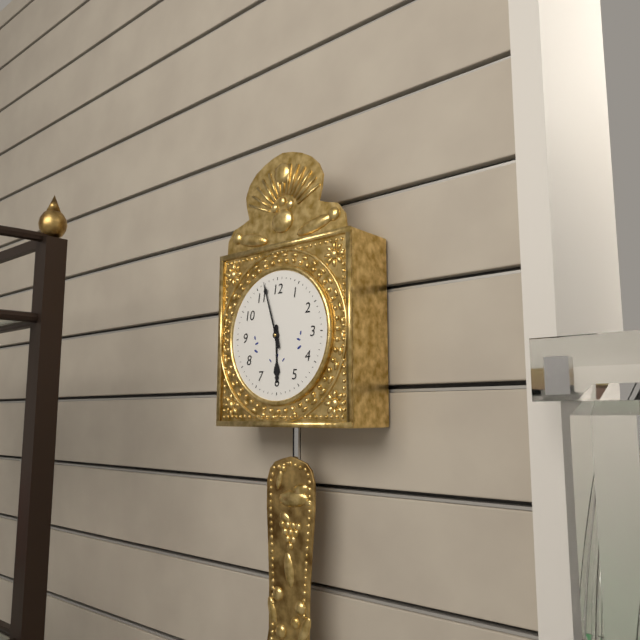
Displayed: 5 h 57 min
